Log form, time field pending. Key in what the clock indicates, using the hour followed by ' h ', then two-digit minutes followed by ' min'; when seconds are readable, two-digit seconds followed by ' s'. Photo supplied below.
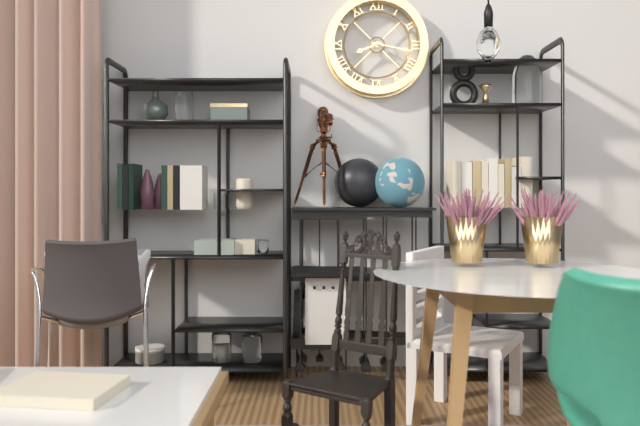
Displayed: 8 h 17 min
